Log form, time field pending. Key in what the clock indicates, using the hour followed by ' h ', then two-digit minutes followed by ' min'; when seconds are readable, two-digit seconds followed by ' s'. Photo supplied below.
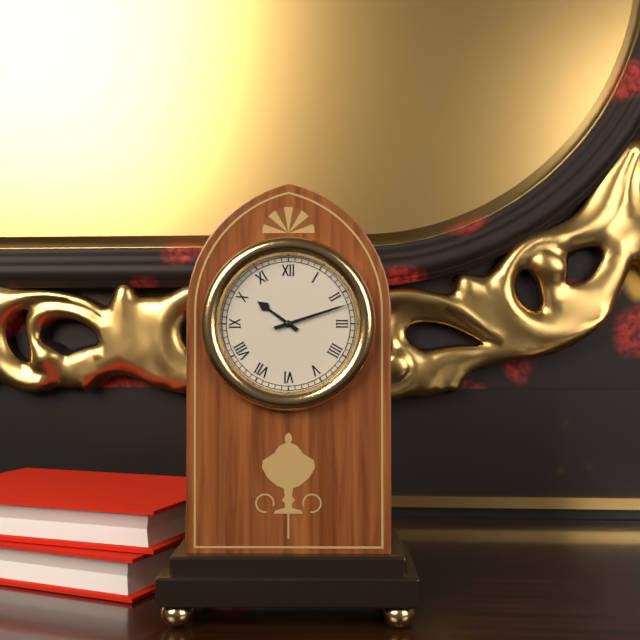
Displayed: 10 h 12 min
